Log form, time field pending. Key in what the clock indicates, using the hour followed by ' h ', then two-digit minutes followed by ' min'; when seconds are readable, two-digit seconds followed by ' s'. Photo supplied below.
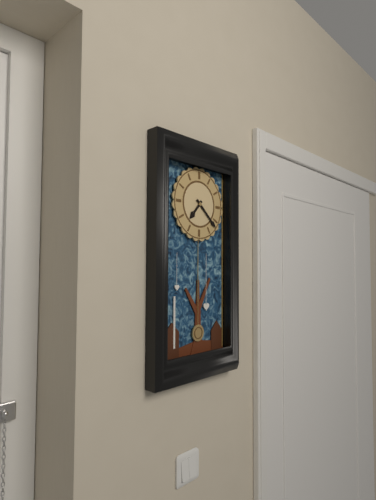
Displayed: 7 h 22 min
